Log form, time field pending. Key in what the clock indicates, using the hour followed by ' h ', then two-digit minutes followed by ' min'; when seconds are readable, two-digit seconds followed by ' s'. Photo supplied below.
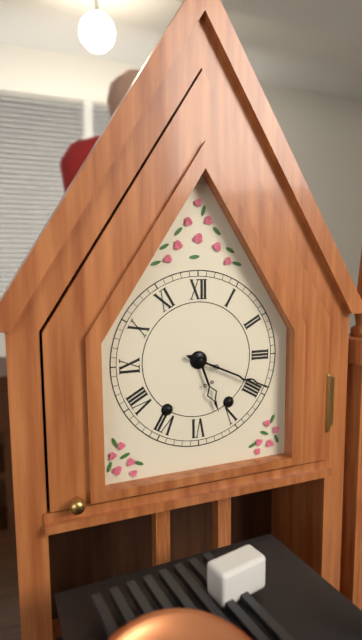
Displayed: 5 h 19 min
